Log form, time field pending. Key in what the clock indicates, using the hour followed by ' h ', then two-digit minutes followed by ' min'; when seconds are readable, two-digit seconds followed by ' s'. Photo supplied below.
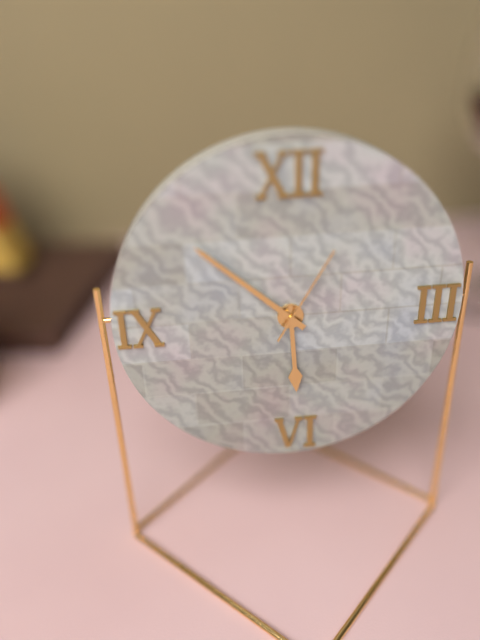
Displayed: 5 h 52 min 05 s
